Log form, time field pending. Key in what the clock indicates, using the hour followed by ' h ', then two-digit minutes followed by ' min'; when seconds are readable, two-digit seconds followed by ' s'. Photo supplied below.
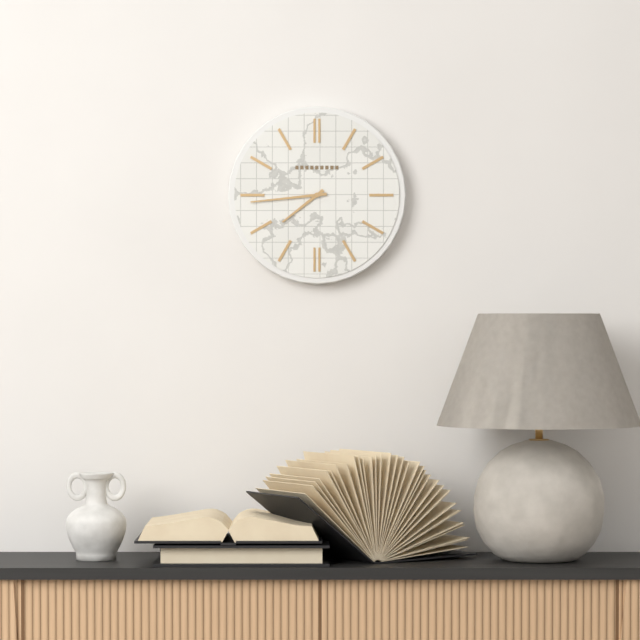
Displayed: 7 h 44 min
